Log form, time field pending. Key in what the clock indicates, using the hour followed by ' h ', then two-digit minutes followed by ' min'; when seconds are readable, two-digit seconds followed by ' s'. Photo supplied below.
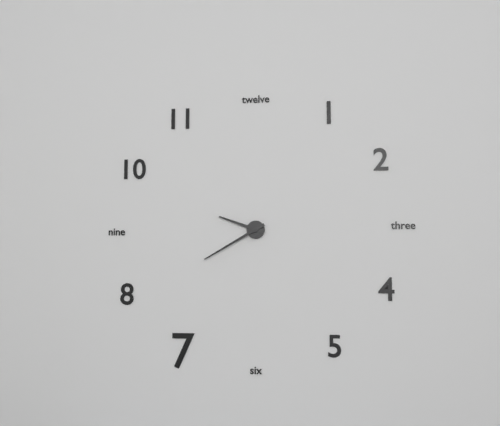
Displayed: 9 h 40 min
